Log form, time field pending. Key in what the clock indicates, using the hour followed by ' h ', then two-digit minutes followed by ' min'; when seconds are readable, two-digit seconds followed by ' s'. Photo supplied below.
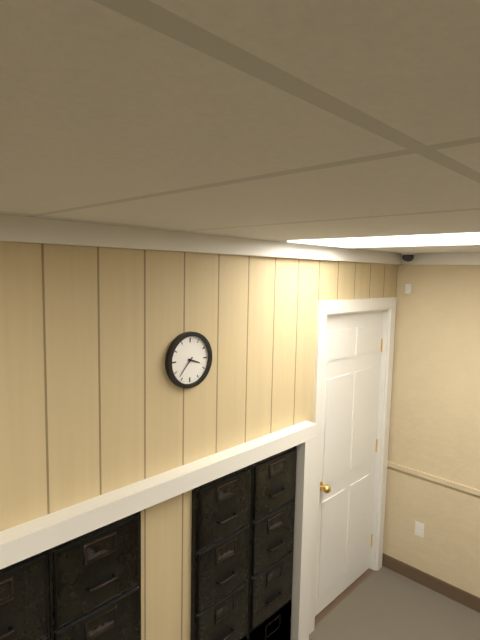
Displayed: 3 h 37 min
